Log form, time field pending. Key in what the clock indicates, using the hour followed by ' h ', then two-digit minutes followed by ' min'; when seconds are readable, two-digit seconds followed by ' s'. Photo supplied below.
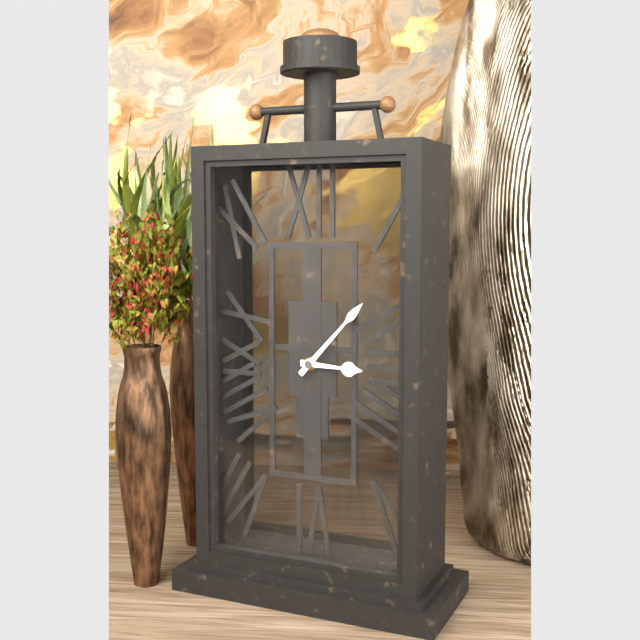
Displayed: 3 h 07 min
